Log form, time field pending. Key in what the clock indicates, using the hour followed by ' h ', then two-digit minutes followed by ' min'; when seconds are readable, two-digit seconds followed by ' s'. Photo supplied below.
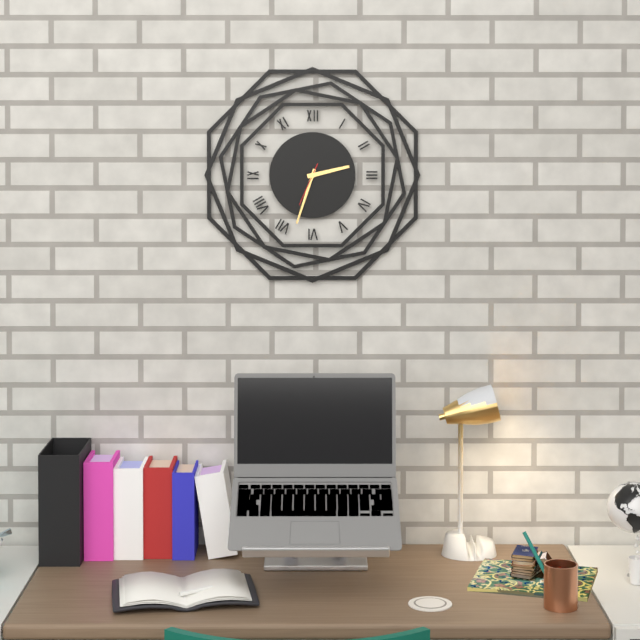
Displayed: 2 h 33 min
